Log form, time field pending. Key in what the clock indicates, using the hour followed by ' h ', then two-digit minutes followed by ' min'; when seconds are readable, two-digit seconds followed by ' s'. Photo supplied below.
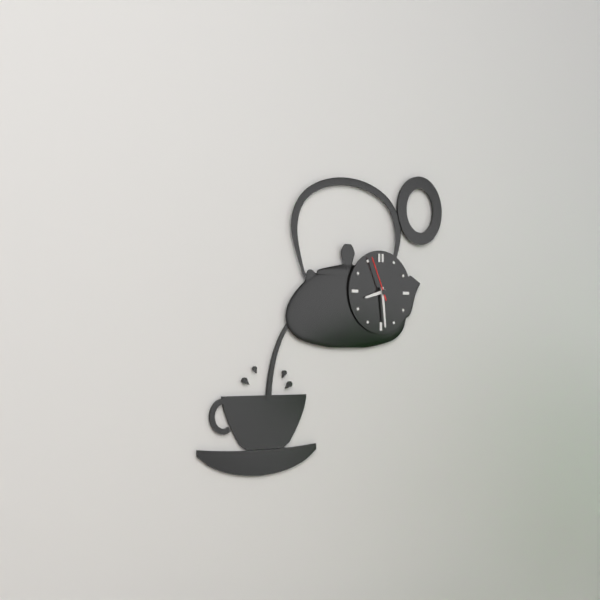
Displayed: 8 h 29 min
